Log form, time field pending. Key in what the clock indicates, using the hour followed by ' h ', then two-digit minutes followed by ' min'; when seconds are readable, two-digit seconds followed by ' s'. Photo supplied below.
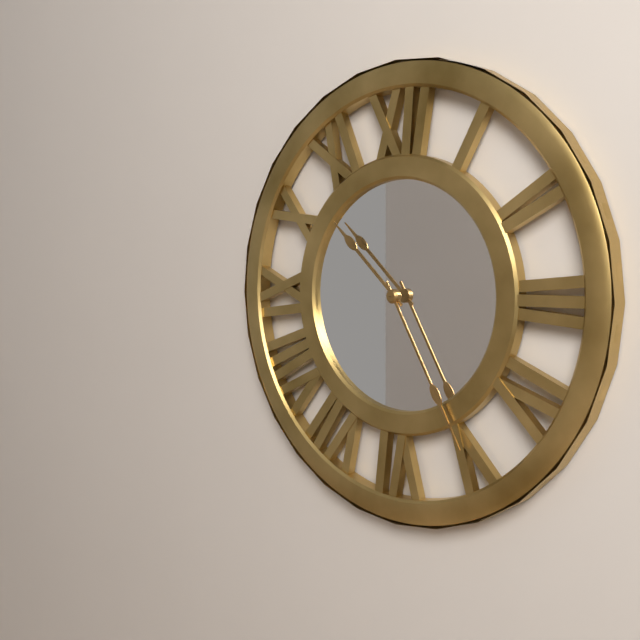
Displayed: 10 h 25 min
